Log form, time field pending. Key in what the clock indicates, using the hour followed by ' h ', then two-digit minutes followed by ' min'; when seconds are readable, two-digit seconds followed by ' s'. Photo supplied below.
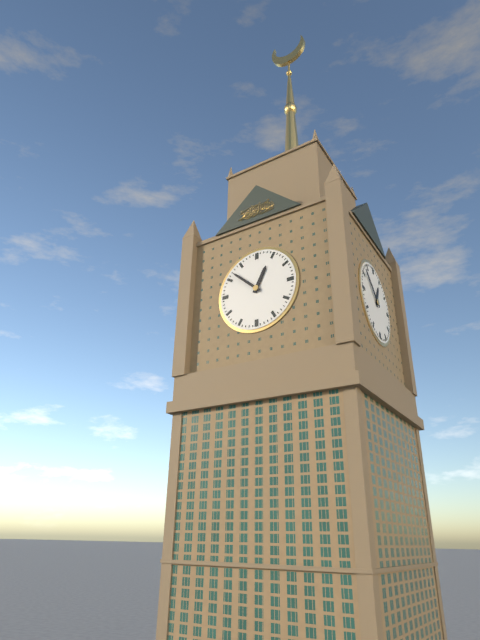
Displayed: 12 h 52 min
